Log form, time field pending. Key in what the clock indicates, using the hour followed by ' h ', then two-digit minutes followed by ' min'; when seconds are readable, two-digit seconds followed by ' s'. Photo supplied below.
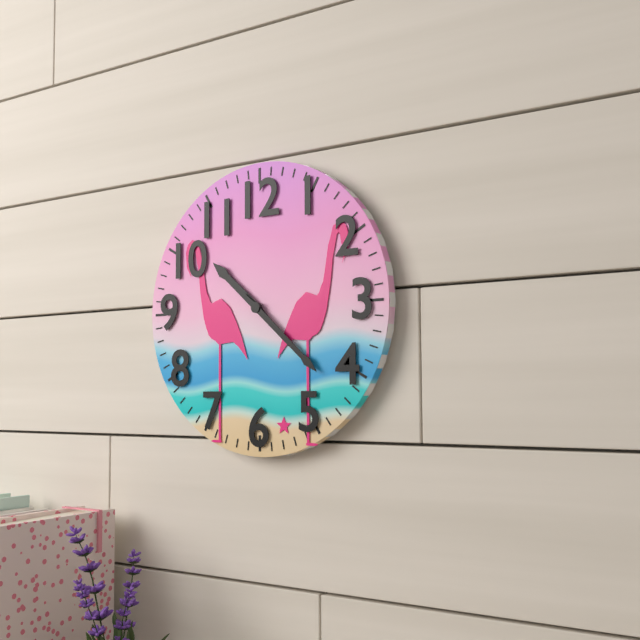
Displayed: 10 h 22 min
